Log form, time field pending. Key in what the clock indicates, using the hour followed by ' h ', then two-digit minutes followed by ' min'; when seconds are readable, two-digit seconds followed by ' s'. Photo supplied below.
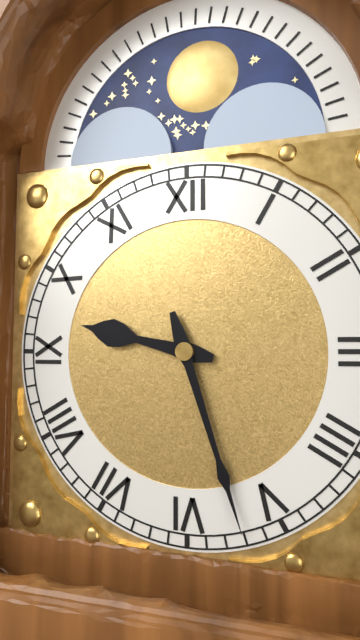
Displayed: 9 h 27 min
